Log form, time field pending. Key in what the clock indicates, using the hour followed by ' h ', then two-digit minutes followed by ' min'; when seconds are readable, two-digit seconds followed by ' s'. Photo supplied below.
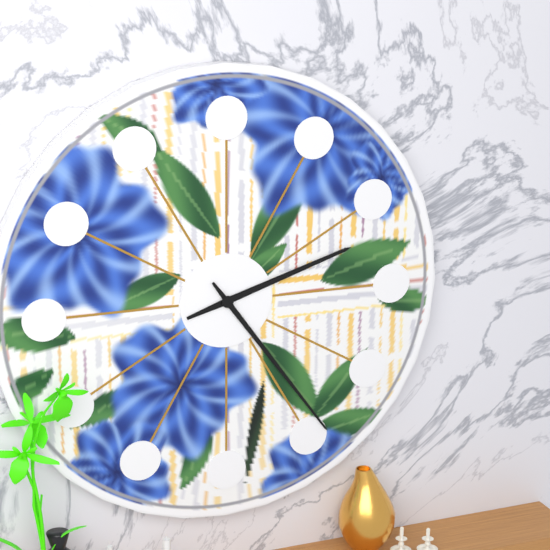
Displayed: 2 h 24 min
